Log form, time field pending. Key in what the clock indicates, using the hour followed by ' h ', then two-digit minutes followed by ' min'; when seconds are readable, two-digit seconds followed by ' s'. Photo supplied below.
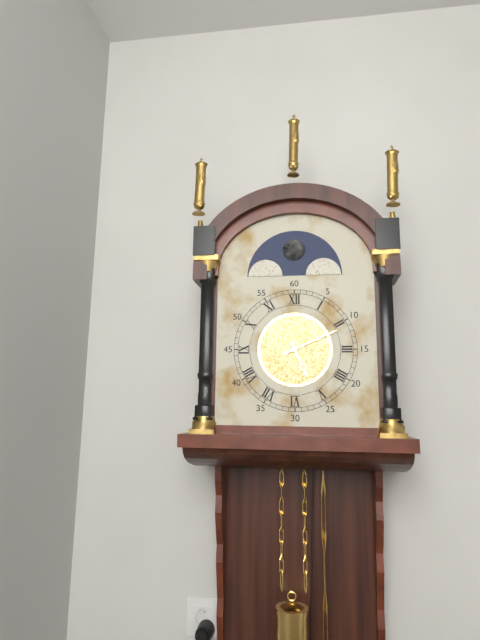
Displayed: 5 h 11 min
